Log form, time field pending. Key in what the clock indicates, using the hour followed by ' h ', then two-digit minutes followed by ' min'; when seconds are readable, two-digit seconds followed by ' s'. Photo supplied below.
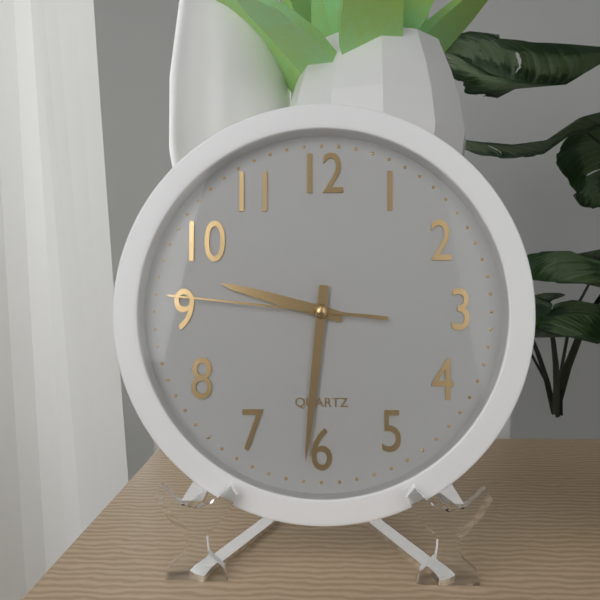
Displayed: 9 h 31 min 46 s
